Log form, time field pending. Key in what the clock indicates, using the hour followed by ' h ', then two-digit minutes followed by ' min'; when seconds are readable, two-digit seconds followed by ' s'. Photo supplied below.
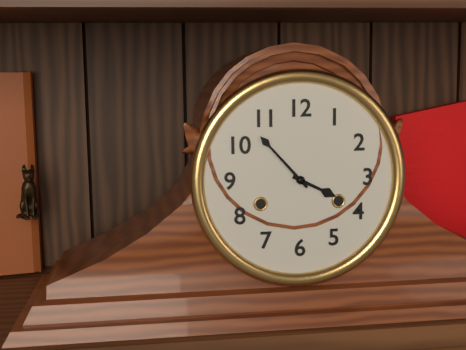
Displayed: 3 h 53 min
